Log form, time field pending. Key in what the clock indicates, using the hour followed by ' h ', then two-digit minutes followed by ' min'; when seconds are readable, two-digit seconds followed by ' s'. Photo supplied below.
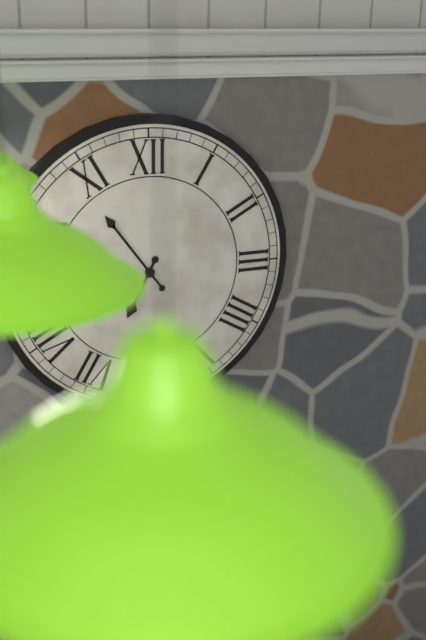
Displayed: 6 h 54 min
